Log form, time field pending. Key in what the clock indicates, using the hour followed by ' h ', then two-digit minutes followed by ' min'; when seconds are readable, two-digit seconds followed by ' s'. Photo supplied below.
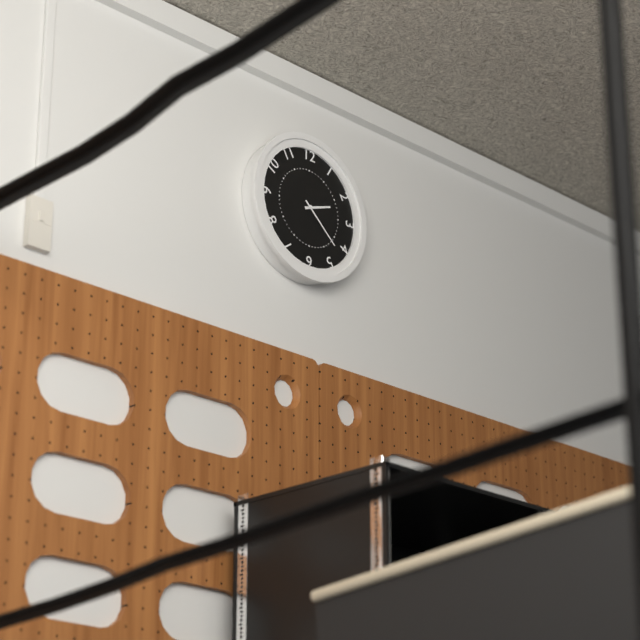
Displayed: 2 h 22 min
